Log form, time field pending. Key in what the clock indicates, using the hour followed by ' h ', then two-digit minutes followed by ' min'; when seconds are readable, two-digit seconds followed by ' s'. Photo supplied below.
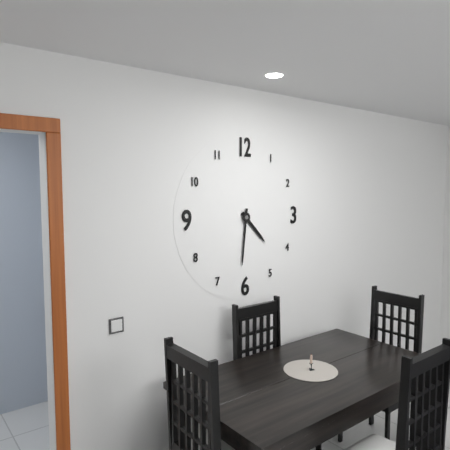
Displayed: 4 h 31 min
